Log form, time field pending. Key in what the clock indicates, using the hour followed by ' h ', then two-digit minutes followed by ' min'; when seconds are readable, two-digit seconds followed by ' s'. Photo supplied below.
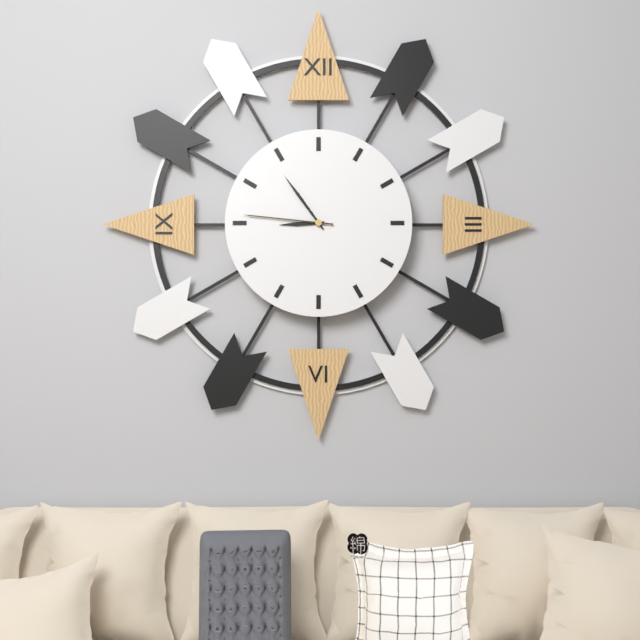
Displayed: 8 h 54 min 46 s
